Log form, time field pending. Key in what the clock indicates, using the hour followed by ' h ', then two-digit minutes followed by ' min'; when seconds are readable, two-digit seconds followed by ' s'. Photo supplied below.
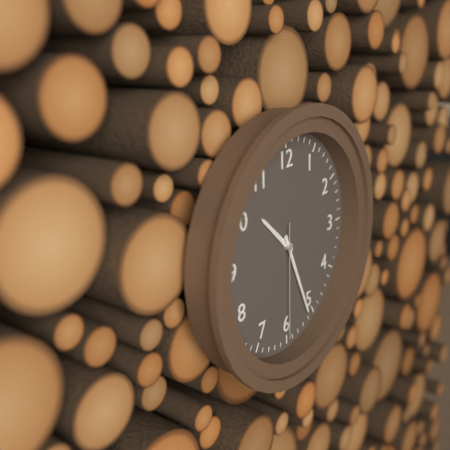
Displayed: 10 h 26 min 30 s
